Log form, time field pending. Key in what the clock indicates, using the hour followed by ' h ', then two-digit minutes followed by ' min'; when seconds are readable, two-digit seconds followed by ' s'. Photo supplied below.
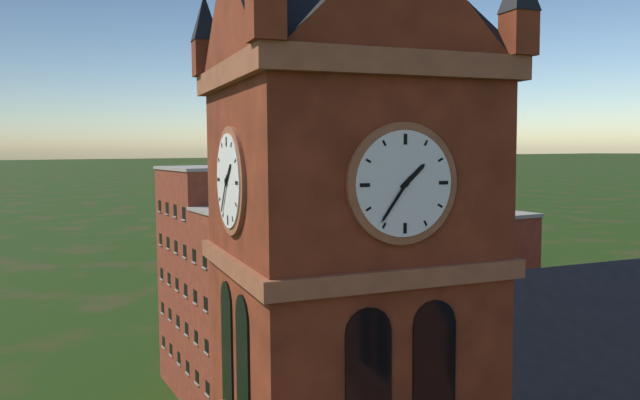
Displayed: 1 h 36 min
